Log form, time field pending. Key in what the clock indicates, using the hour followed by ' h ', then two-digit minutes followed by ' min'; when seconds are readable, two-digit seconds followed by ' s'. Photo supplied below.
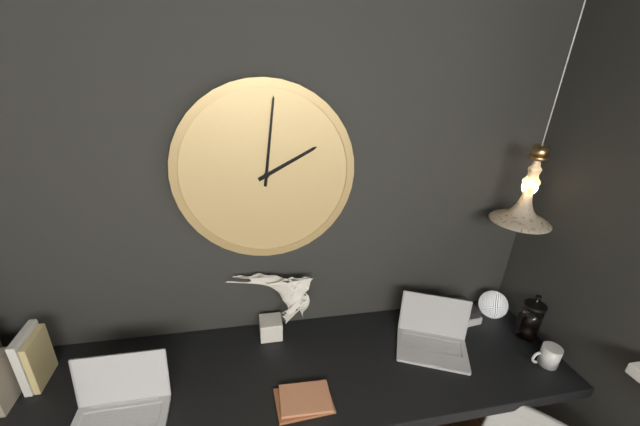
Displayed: 2 h 01 min
